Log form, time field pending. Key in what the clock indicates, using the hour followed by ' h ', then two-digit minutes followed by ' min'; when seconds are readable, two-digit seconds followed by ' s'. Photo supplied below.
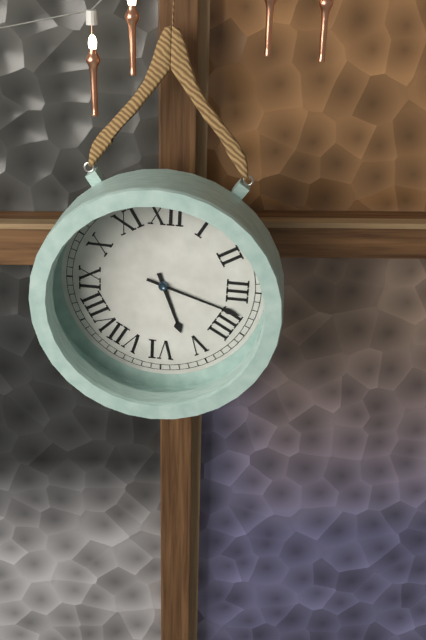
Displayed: 5 h 18 min
